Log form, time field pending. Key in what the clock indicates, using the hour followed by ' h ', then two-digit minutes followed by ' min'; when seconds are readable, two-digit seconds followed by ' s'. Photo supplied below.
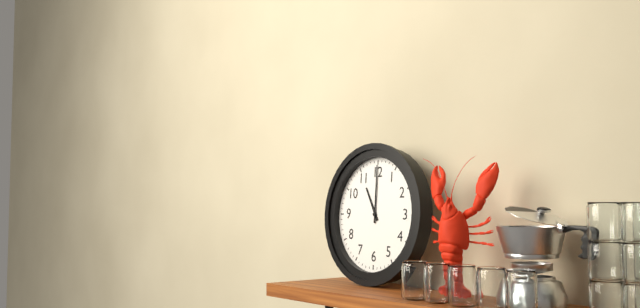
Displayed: 11 h 00 min
